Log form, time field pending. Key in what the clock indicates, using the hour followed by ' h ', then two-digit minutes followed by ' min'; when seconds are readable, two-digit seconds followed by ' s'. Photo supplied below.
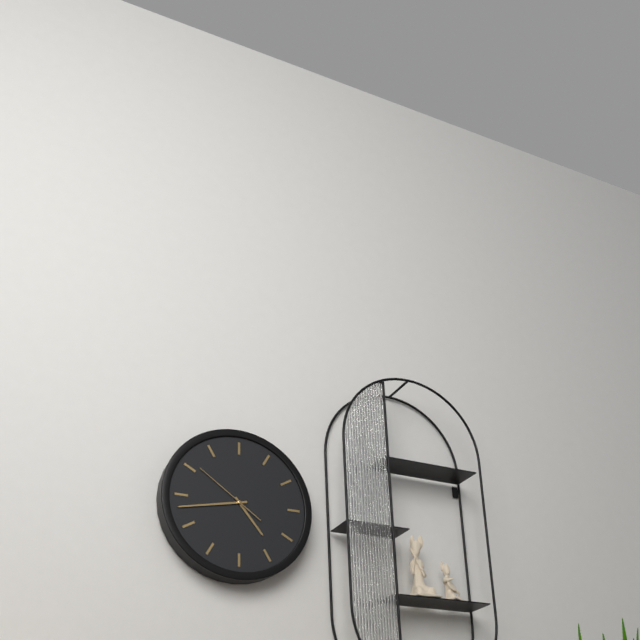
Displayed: 4 h 43 min 51 s
